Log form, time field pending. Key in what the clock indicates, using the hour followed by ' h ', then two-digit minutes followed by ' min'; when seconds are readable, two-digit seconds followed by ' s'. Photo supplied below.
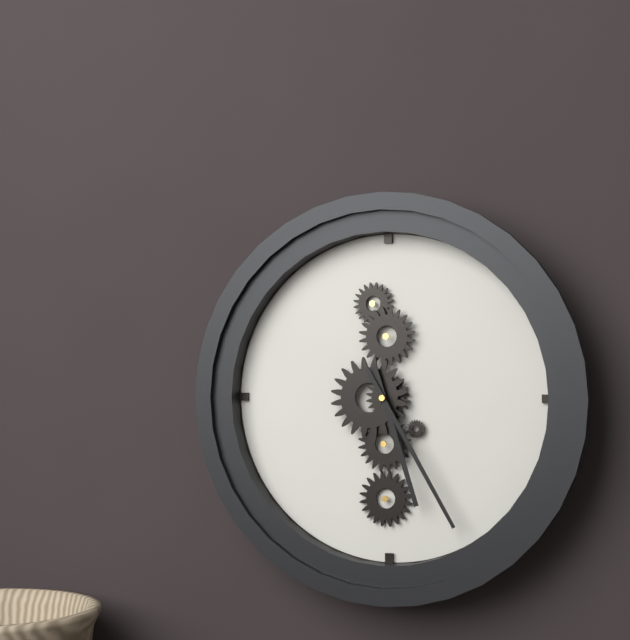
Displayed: 5 h 25 min
